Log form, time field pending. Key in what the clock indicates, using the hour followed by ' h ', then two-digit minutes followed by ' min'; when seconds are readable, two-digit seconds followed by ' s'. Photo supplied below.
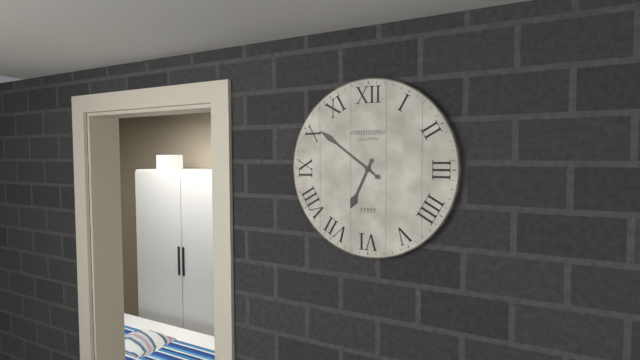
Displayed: 6 h 51 min
